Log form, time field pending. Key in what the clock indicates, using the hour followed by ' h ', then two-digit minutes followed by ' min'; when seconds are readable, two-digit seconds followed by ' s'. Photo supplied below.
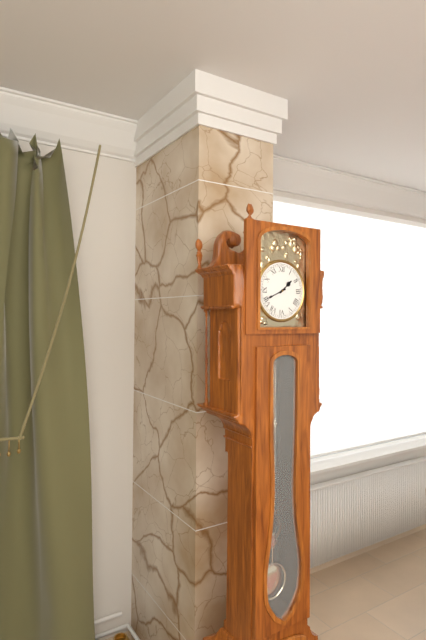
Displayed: 1 h 41 min
